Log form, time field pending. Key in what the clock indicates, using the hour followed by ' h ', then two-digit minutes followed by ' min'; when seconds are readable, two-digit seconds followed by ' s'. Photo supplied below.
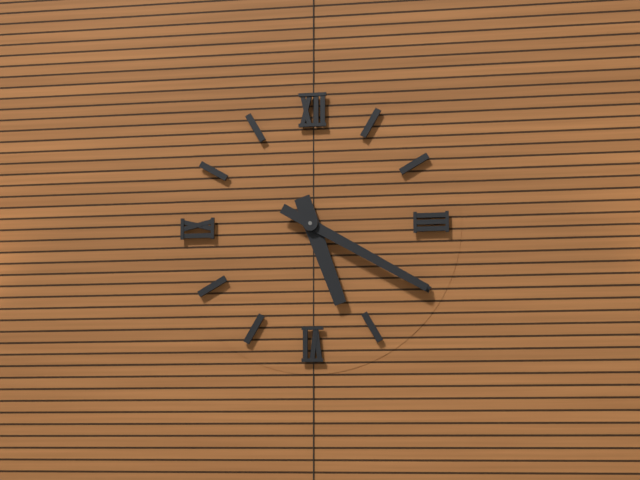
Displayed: 5 h 20 min
